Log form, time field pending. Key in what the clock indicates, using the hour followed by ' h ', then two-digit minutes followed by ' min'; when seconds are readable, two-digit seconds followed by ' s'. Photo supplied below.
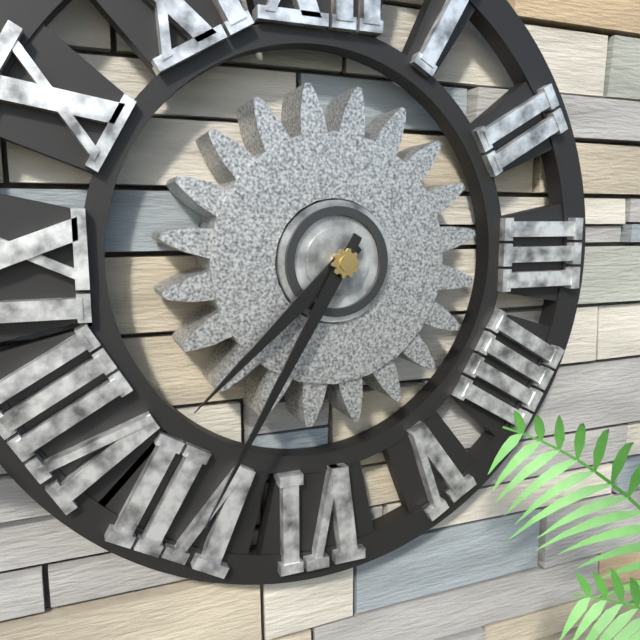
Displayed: 7 h 35 min
